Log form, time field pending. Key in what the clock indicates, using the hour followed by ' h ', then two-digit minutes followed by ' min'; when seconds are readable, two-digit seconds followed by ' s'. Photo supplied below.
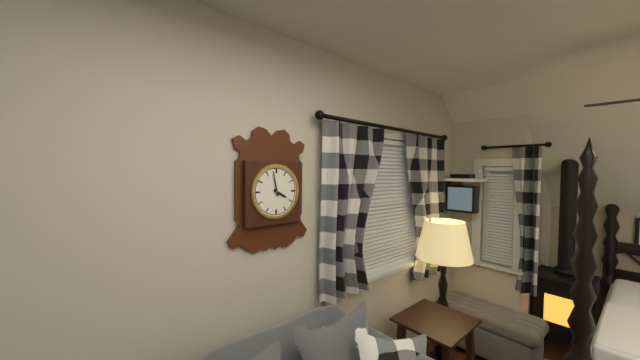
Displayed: 3 h 58 min
